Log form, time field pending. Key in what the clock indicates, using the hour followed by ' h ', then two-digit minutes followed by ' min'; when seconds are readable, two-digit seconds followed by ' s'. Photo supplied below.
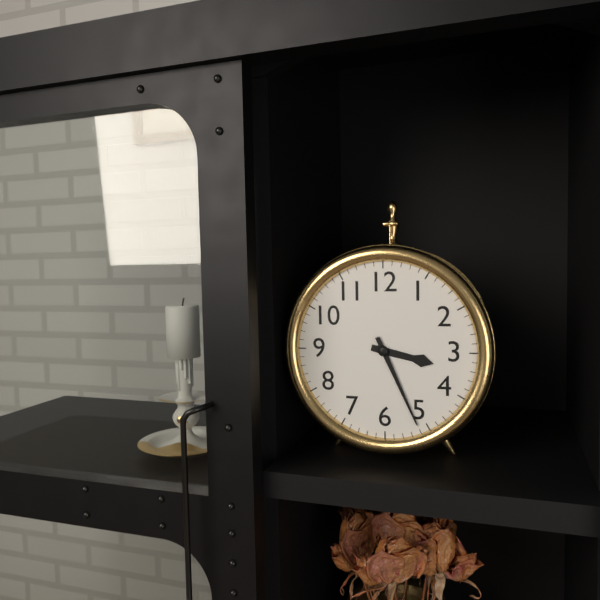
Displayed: 3 h 26 min
